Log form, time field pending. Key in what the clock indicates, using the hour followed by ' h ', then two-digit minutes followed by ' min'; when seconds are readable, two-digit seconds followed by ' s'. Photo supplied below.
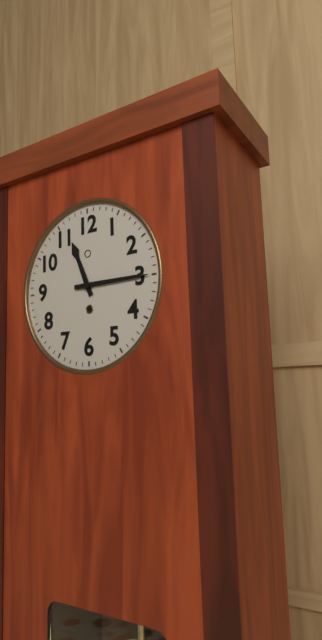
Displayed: 11 h 15 min
